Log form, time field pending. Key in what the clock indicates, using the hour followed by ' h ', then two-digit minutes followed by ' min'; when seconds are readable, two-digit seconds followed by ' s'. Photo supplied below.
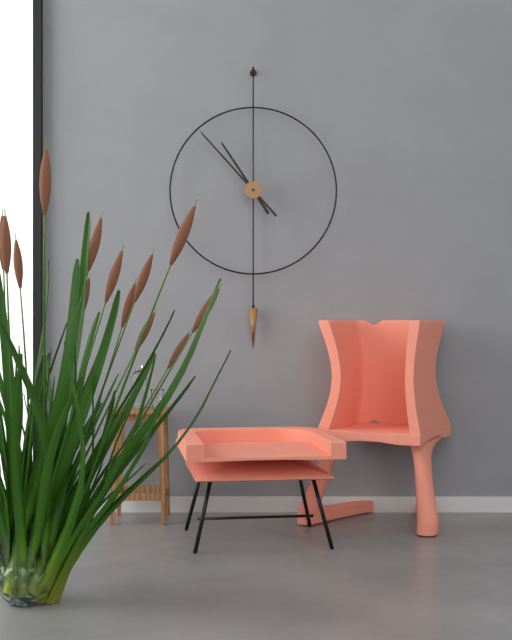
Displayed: 10 h 53 min
